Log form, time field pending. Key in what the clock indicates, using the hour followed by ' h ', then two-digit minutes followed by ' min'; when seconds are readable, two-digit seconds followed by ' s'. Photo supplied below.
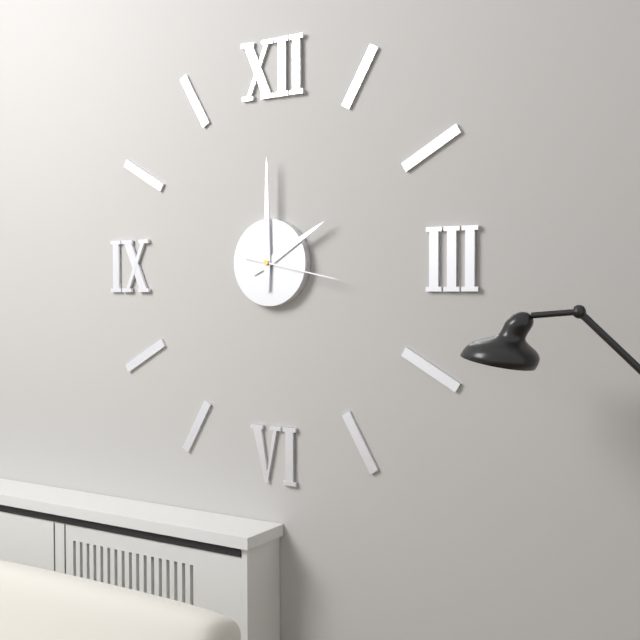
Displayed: 2 h 00 min 17 s
